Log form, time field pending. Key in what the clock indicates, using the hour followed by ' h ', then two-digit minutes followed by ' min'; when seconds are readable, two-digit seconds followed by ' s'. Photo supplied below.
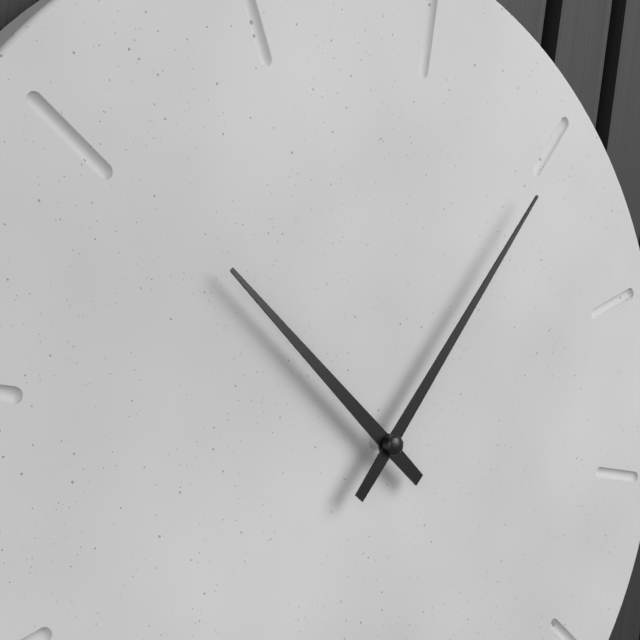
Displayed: 10 h 05 min
